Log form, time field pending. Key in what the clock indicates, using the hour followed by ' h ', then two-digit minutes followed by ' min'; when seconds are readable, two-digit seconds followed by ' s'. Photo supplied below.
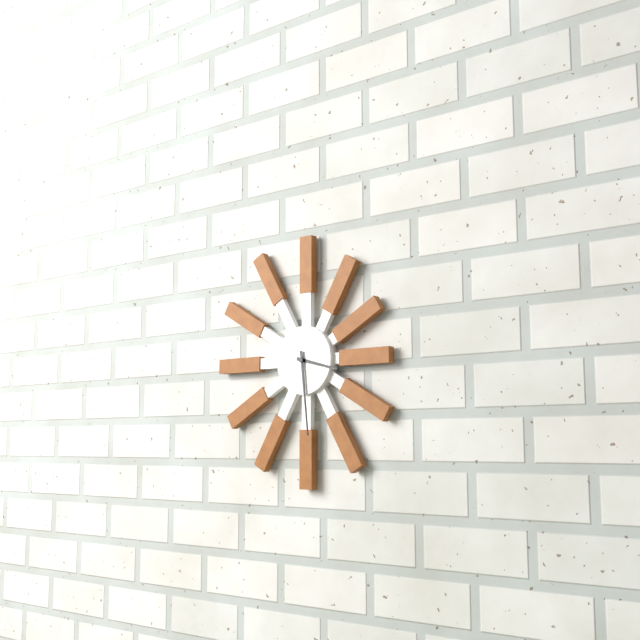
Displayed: 3 h 29 min
